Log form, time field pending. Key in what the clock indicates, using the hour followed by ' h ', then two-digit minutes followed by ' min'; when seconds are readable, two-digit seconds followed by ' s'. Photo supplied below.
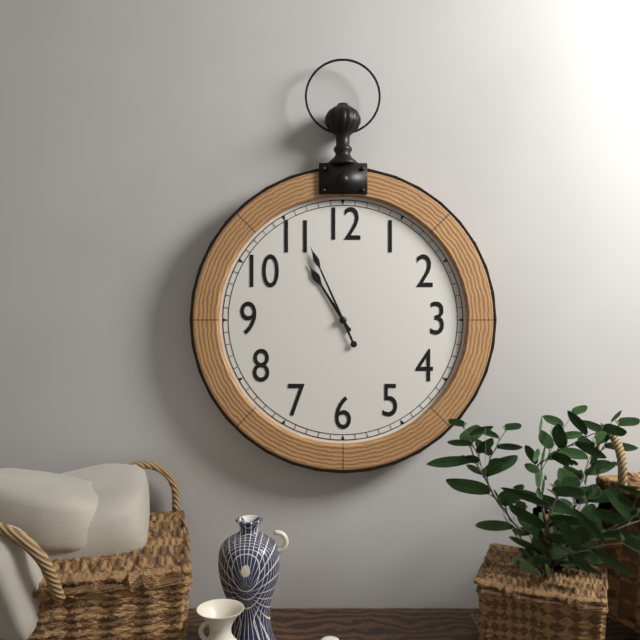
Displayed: 10 h 56 min
